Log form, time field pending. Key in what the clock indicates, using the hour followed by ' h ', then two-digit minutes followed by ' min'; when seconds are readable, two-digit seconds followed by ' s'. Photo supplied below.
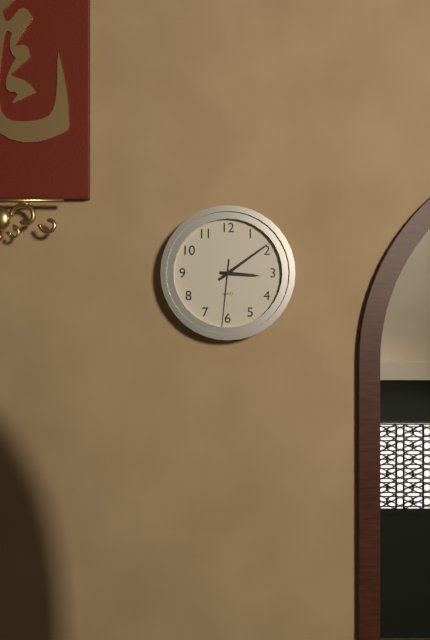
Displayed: 3 h 09 min 31 s
